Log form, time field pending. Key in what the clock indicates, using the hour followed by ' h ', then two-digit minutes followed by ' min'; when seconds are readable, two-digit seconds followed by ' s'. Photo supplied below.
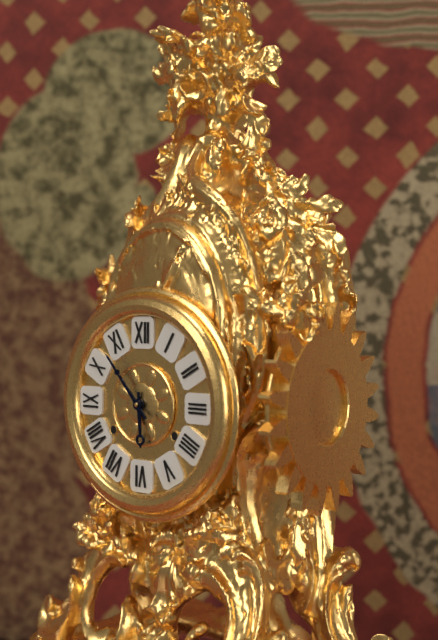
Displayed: 5 h 53 min
